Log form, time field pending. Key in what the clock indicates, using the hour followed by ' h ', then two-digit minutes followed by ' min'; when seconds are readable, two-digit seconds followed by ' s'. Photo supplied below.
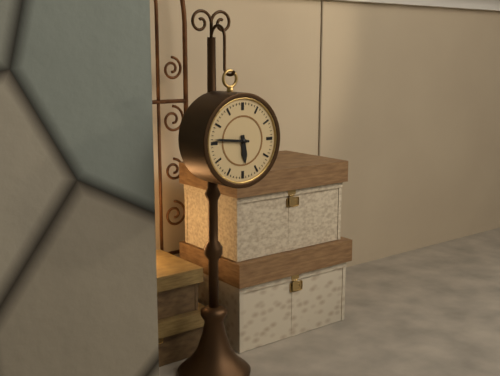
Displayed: 5 h 46 min
